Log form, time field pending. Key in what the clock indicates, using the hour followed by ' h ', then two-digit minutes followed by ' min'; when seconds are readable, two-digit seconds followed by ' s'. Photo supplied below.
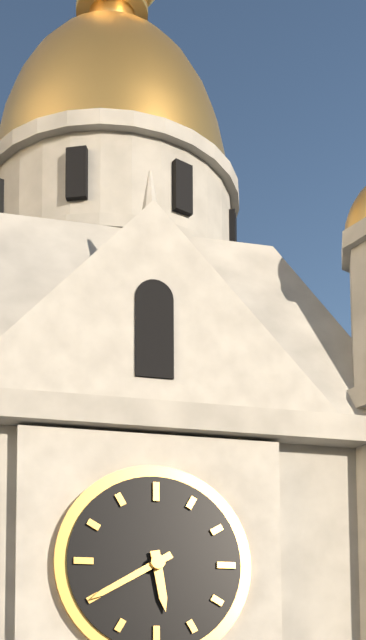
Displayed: 5 h 40 min
